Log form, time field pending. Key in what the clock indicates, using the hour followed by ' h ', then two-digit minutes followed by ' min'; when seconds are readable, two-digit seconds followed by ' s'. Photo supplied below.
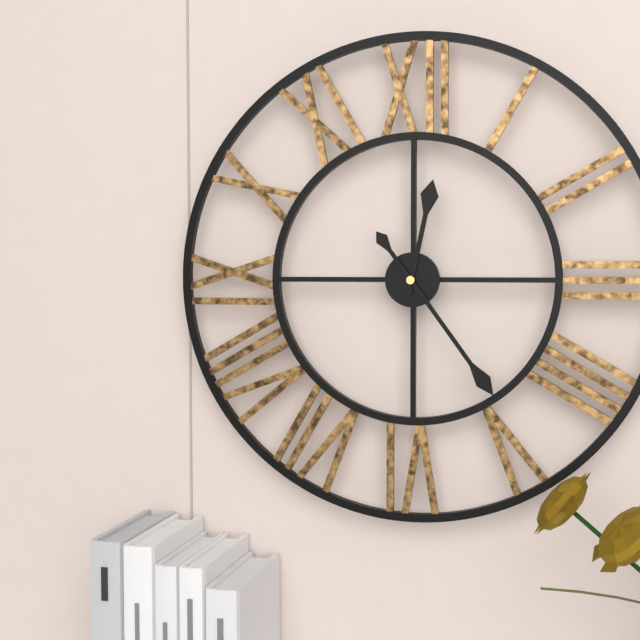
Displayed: 12 h 24 min
